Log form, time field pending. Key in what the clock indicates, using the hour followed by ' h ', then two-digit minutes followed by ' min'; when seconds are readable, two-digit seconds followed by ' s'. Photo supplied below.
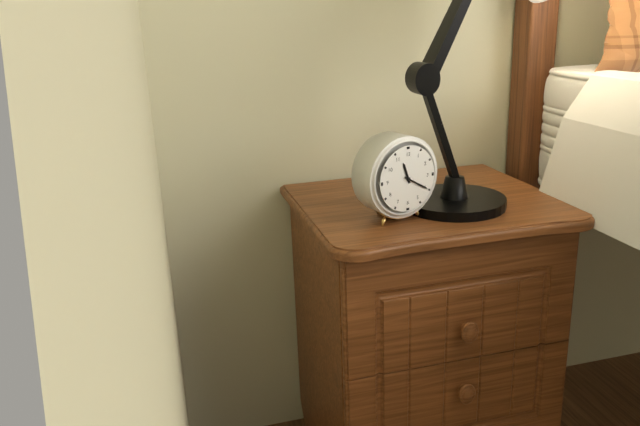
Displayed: 11 h 20 min
